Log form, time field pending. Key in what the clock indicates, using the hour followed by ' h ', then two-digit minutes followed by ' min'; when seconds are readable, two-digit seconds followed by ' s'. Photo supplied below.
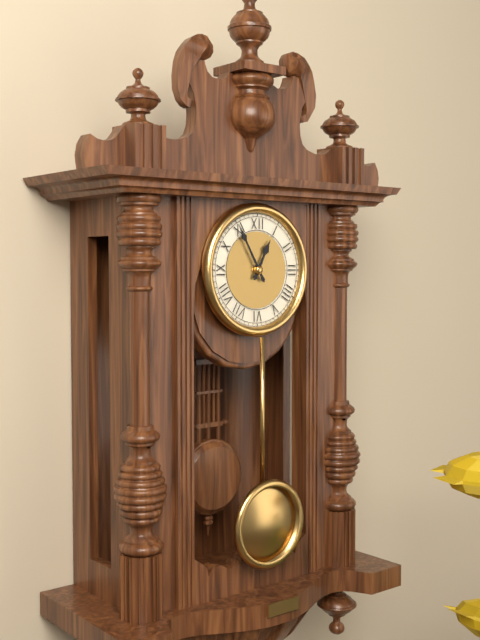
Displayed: 12 h 55 min
